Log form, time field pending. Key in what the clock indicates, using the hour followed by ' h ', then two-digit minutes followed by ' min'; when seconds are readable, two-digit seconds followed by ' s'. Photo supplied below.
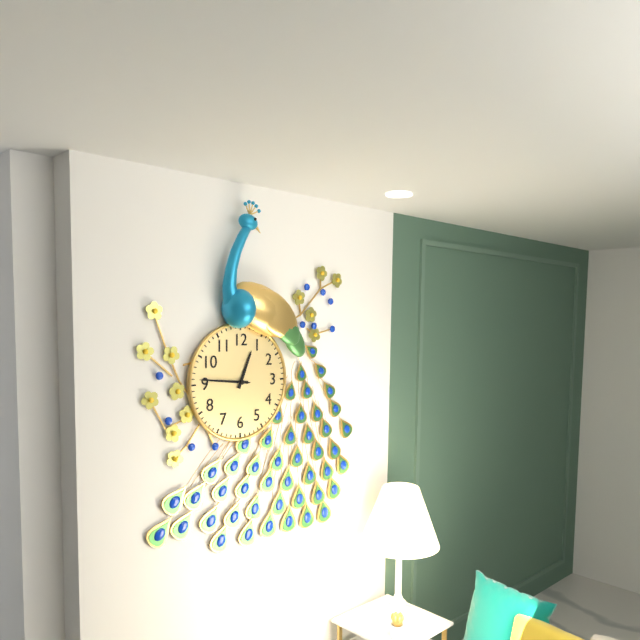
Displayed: 12 h 46 min
